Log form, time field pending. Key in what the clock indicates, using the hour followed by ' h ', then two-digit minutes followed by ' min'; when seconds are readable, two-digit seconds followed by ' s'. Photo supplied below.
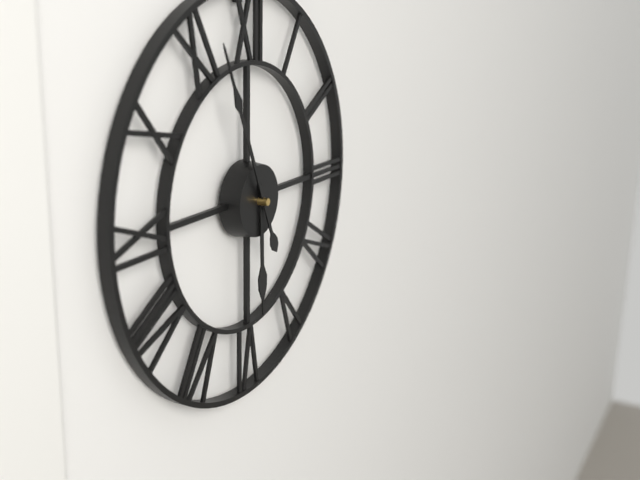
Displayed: 5 h 56 min
